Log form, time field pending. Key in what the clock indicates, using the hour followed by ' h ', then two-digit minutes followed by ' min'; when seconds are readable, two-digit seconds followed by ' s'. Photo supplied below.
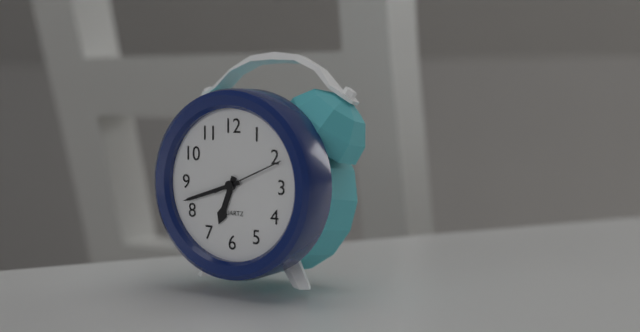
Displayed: 6 h 42 min 11 s
